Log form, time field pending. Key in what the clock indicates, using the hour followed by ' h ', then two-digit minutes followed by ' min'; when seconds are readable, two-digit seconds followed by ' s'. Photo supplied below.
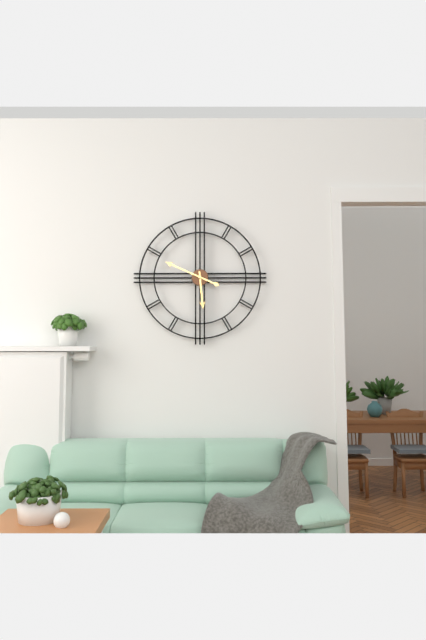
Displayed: 5 h 49 min
